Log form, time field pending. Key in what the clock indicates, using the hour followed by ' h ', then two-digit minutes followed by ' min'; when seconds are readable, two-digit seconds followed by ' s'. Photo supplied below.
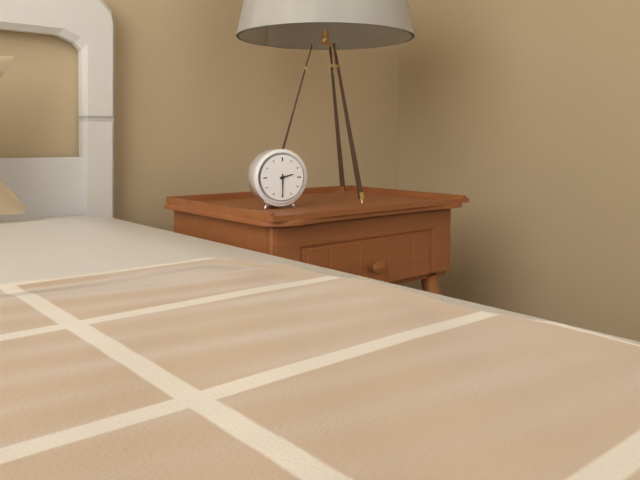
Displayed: 2 h 30 min
